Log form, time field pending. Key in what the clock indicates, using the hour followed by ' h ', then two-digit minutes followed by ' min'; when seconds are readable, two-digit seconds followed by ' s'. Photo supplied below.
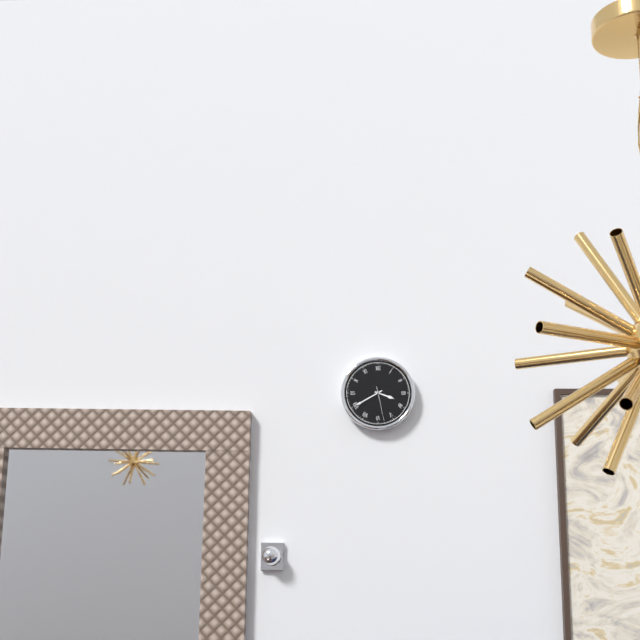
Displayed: 3 h 40 min
